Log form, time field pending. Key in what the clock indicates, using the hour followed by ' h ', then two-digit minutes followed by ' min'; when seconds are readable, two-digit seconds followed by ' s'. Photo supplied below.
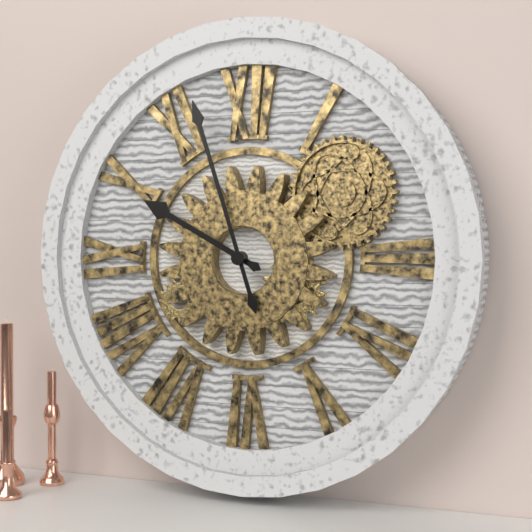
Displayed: 9 h 57 min
